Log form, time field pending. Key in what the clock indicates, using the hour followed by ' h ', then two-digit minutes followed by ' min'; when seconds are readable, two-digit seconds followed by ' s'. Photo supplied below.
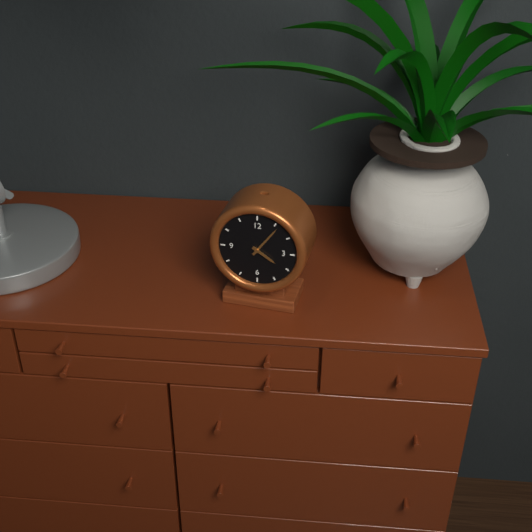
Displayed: 4 h 06 min
